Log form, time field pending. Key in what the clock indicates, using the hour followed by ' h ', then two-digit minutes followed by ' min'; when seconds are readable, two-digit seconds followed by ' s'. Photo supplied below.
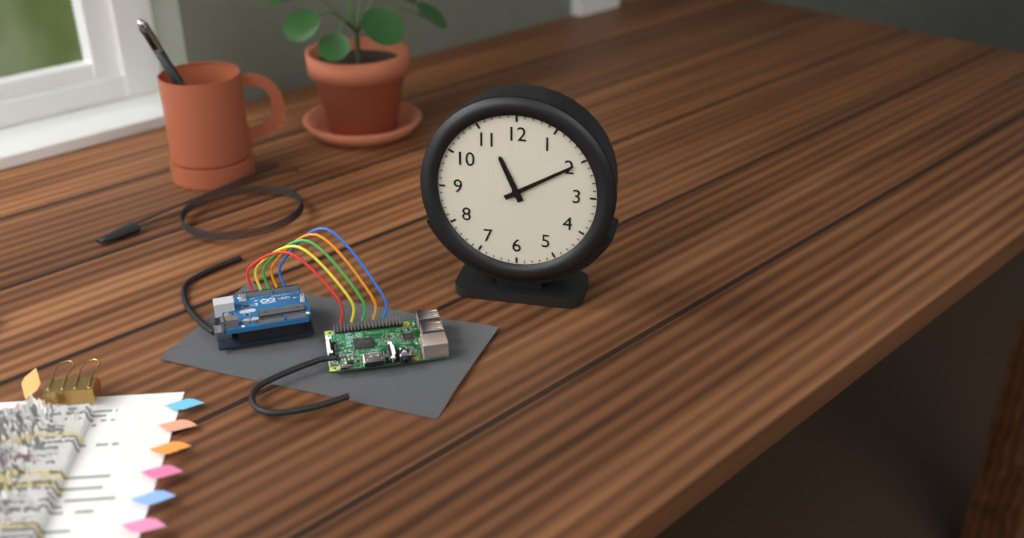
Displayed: 11 h 10 min
